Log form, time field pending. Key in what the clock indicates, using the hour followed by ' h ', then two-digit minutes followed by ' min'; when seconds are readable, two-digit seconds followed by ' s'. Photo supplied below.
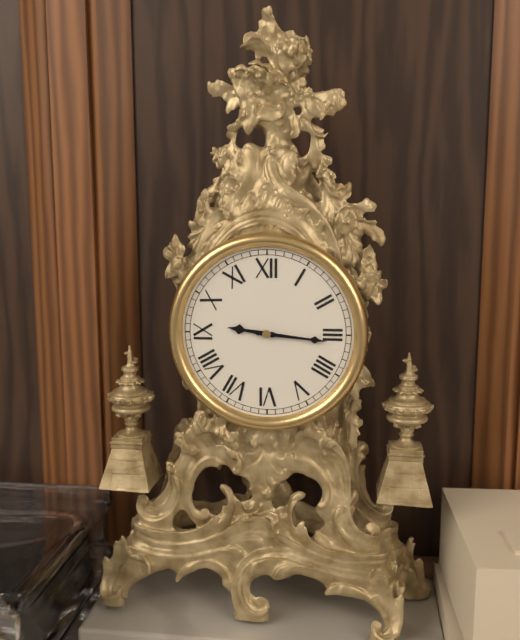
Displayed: 9 h 16 min
